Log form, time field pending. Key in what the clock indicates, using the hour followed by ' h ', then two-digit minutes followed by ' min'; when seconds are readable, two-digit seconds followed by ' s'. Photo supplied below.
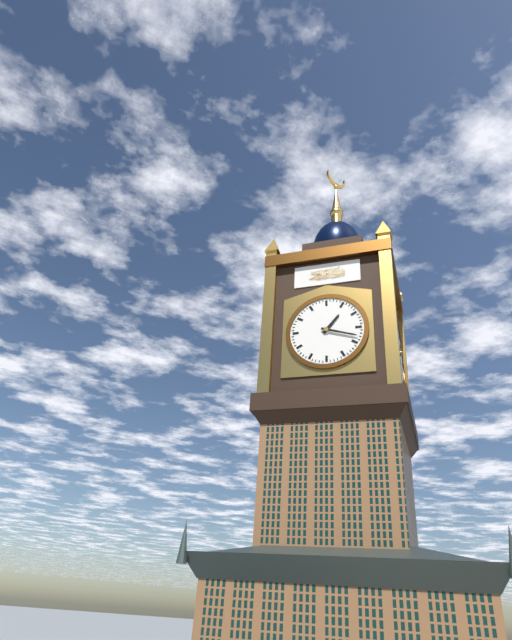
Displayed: 1 h 18 min
